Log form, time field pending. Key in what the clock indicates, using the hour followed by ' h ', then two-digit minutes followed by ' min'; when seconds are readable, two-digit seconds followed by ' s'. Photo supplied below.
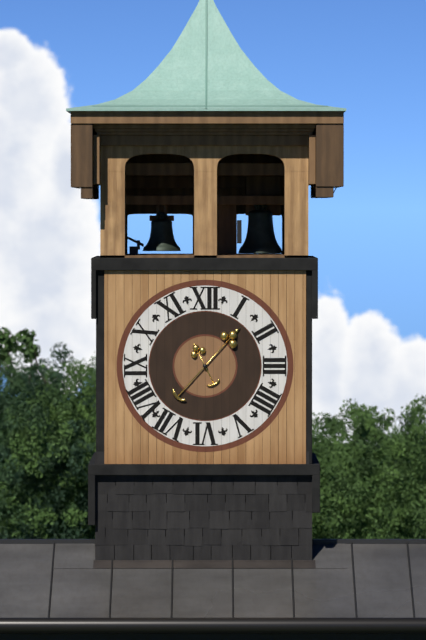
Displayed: 11 h 07 min
